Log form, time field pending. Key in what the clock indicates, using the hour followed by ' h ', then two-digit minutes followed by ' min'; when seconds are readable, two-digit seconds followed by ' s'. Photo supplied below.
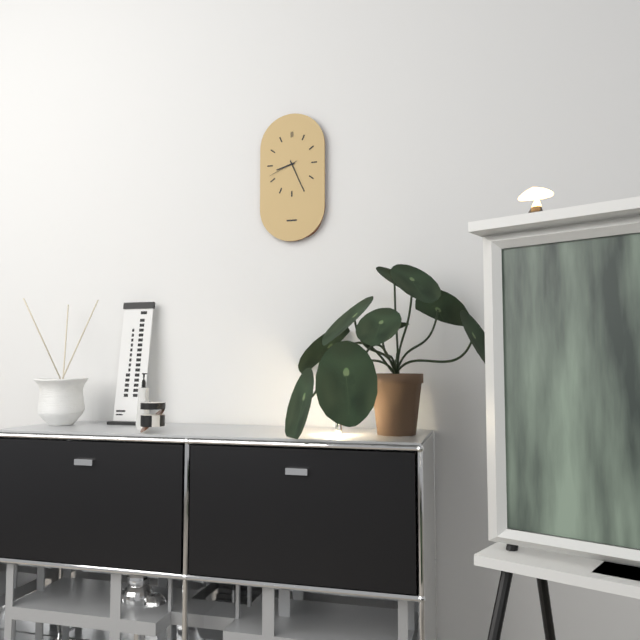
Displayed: 8 h 26 min
